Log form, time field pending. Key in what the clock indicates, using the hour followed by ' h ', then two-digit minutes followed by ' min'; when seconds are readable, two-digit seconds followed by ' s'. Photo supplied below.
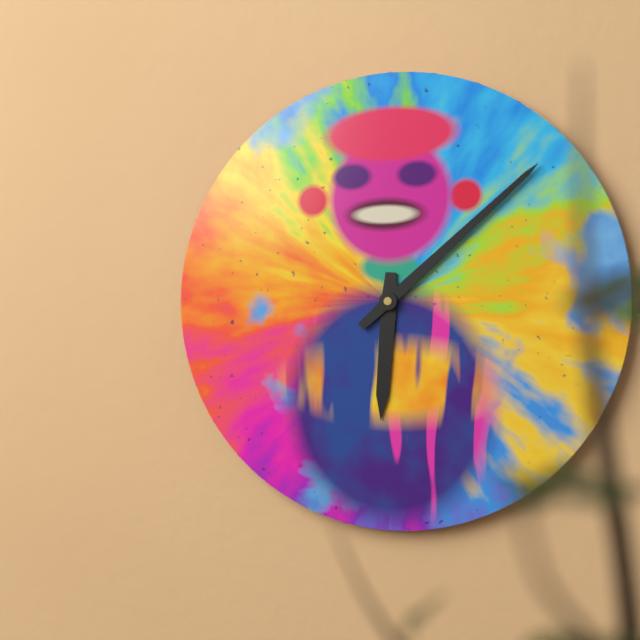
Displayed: 6 h 08 min
